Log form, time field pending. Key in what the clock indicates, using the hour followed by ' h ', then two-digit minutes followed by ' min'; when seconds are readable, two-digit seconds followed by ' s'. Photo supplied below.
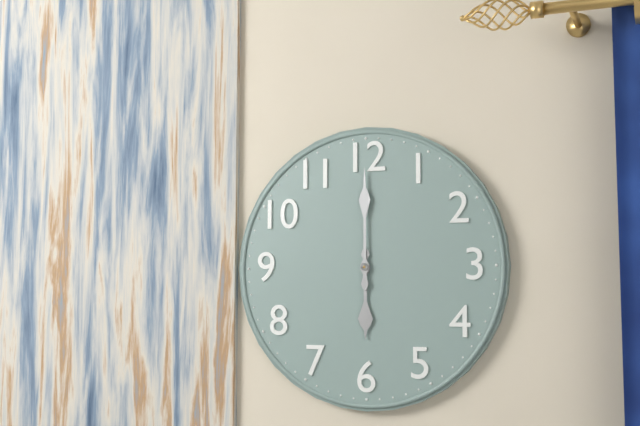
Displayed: 6 h 00 min
